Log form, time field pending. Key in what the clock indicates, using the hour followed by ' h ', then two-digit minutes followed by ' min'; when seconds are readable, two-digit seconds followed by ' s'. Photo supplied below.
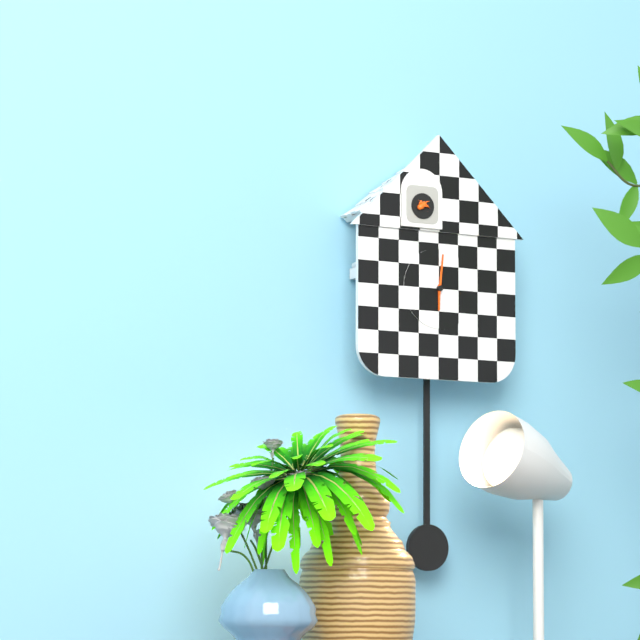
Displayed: 6 h 01 min
